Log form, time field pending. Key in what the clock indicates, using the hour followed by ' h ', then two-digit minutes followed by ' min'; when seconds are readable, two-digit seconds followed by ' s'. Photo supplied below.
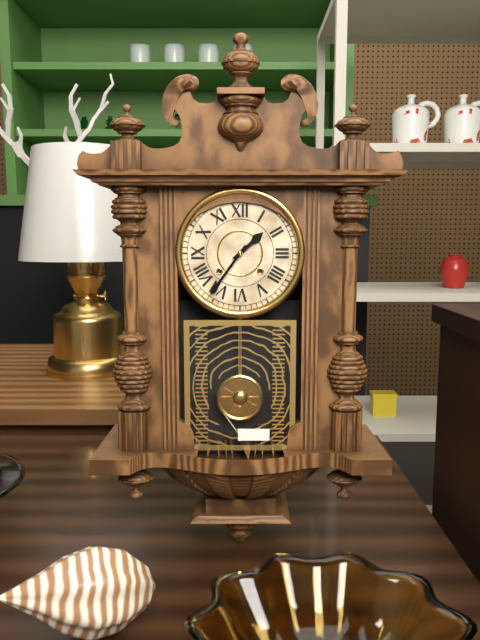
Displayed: 1 h 36 min
